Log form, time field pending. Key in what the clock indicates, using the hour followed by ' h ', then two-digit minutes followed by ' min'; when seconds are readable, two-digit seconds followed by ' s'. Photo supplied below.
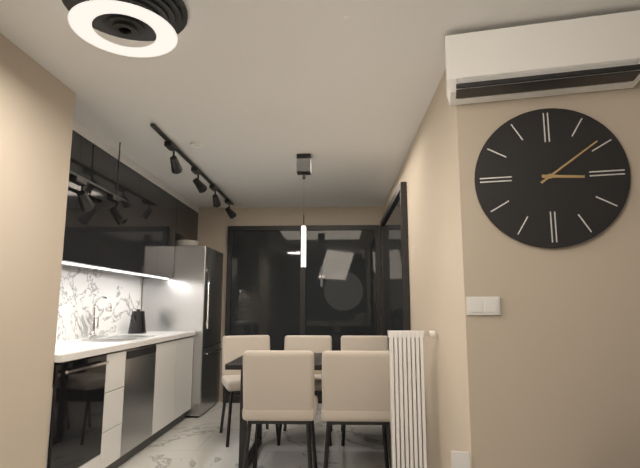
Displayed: 3 h 09 min
